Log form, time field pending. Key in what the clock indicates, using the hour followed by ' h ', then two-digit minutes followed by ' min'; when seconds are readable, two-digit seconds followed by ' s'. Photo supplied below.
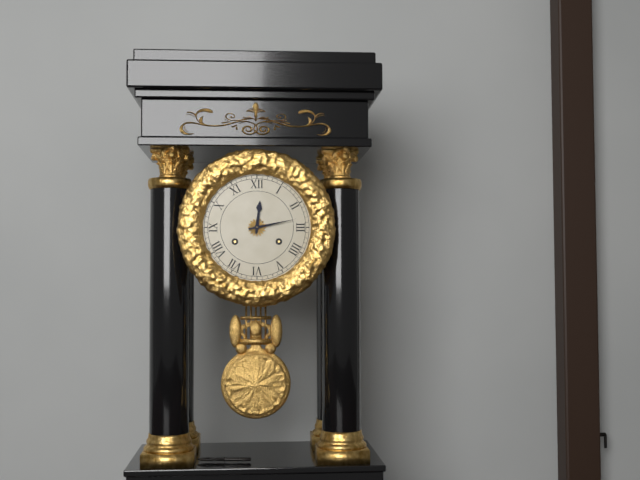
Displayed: 12 h 13 min
